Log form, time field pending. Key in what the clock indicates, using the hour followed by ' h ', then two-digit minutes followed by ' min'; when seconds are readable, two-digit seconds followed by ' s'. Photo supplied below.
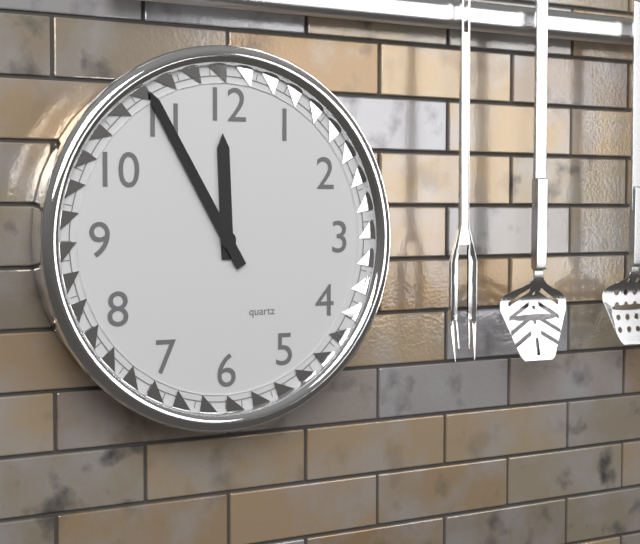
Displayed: 11 h 55 min
